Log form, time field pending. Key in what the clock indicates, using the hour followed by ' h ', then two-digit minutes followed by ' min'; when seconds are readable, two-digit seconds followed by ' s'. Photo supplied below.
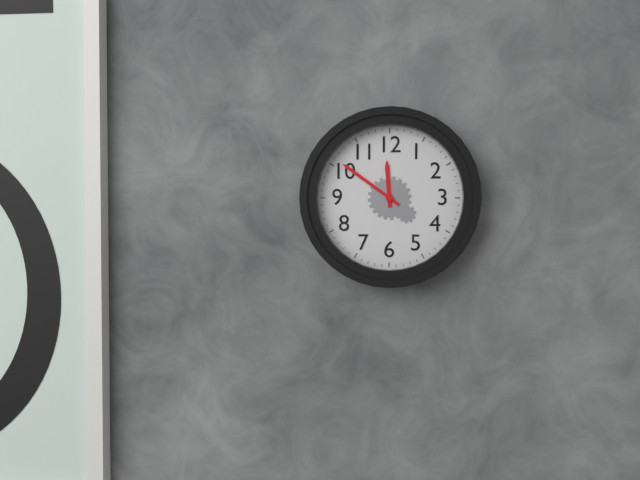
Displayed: 11 h 51 min
